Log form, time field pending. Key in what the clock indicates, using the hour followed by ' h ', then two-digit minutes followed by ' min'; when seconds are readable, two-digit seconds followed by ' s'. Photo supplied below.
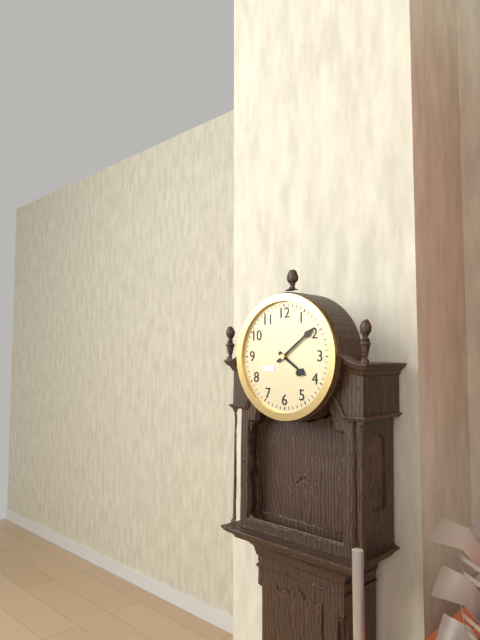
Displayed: 4 h 09 min
